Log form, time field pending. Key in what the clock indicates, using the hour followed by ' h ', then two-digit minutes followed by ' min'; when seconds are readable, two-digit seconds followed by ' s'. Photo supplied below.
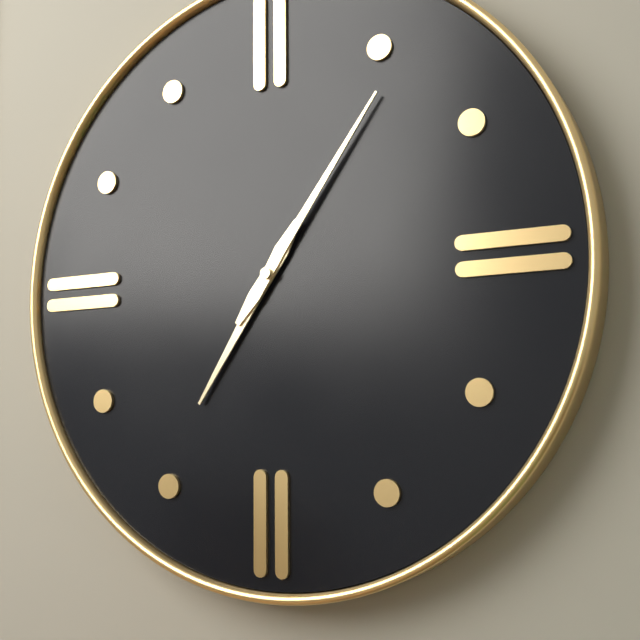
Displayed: 7 h 06 min
